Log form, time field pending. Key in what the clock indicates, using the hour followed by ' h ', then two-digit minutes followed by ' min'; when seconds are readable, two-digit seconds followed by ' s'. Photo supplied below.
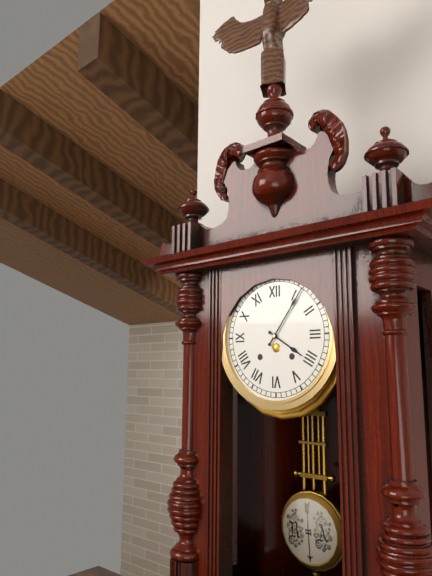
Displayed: 4 h 06 min
